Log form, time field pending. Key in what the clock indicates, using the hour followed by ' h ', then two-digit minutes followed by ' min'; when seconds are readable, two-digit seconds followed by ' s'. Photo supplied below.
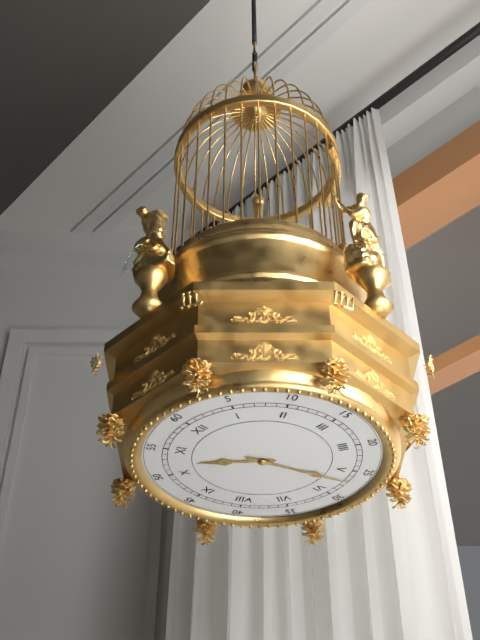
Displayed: 10 h 27 min
